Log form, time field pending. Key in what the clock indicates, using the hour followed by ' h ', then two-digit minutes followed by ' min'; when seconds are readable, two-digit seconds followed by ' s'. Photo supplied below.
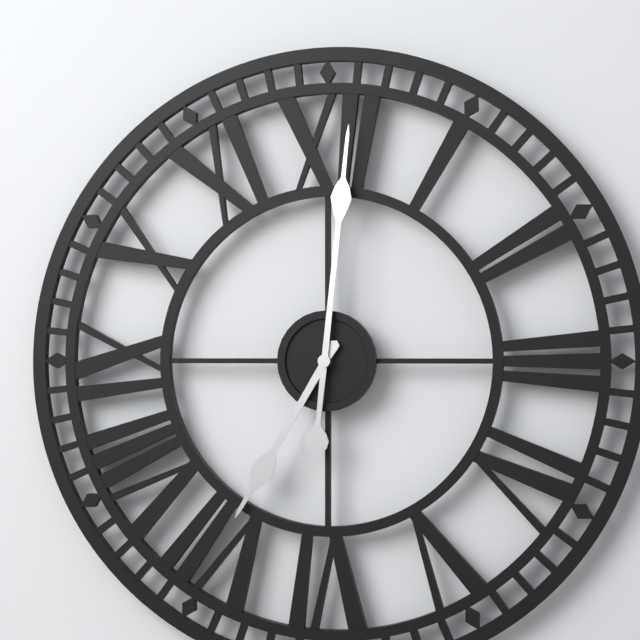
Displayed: 7 h 01 min
